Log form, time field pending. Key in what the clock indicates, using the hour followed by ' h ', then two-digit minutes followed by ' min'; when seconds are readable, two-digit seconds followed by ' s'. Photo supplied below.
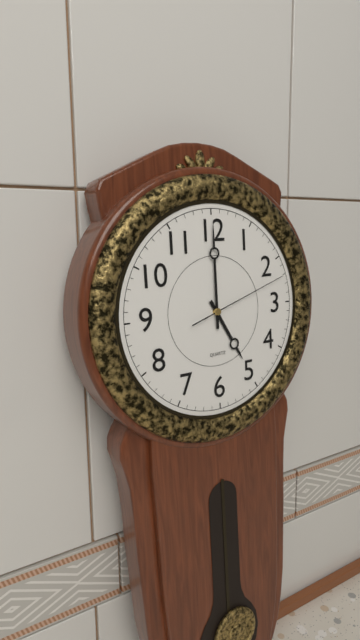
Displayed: 5 h 00 min 12 s
